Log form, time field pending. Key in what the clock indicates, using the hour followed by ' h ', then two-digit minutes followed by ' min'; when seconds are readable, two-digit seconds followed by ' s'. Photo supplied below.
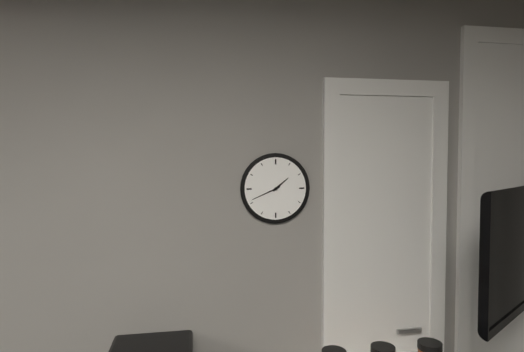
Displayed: 1 h 41 min
